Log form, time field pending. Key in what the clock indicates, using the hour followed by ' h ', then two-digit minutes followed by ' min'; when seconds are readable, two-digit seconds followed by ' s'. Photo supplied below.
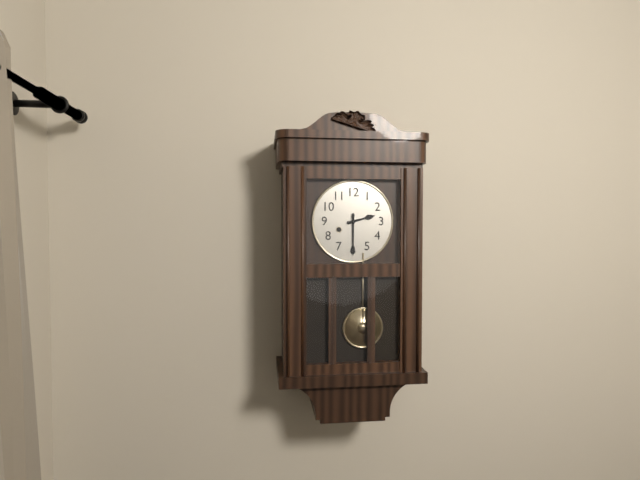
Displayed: 2 h 30 min
